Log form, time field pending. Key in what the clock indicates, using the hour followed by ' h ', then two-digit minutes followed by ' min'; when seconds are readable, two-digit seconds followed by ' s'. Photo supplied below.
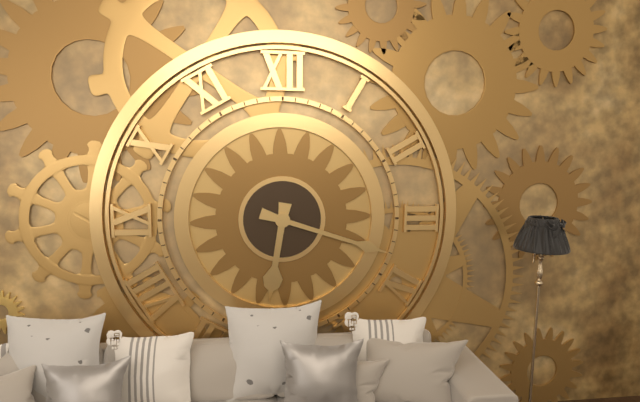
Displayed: 6 h 18 min
